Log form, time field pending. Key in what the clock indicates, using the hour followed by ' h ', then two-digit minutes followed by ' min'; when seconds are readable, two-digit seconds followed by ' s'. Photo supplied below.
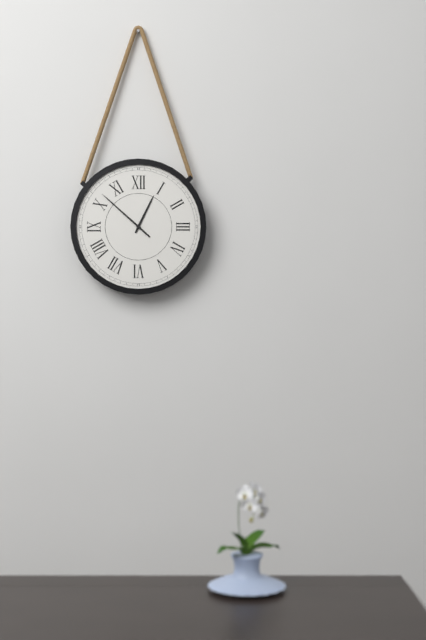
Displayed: 12 h 52 min
